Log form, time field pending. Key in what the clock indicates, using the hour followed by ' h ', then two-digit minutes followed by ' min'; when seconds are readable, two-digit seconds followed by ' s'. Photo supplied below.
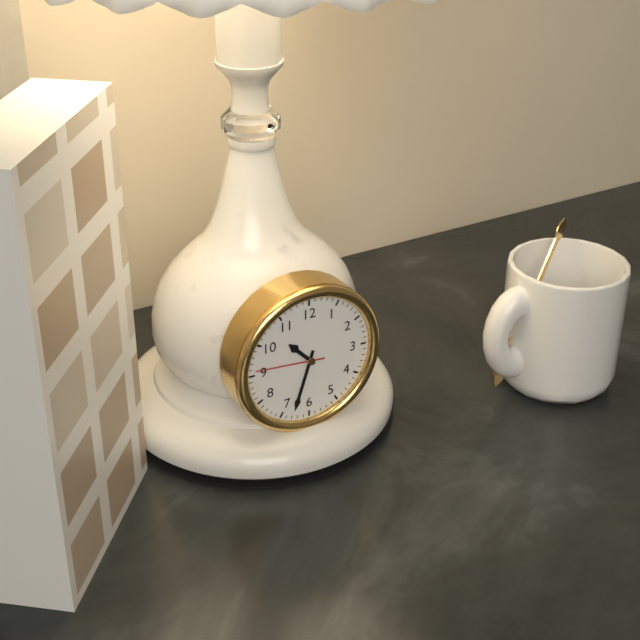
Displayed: 10 h 33 min 46 s
